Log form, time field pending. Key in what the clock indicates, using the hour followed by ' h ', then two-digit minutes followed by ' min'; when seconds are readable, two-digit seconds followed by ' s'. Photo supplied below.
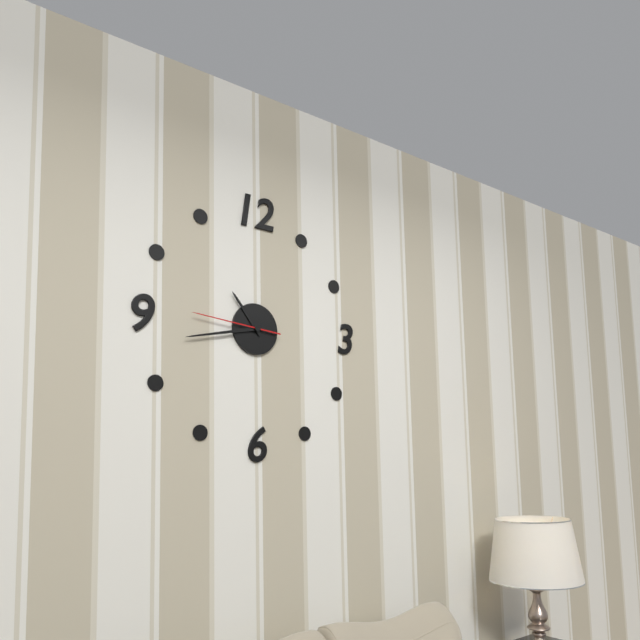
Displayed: 10 h 43 min 46 s
